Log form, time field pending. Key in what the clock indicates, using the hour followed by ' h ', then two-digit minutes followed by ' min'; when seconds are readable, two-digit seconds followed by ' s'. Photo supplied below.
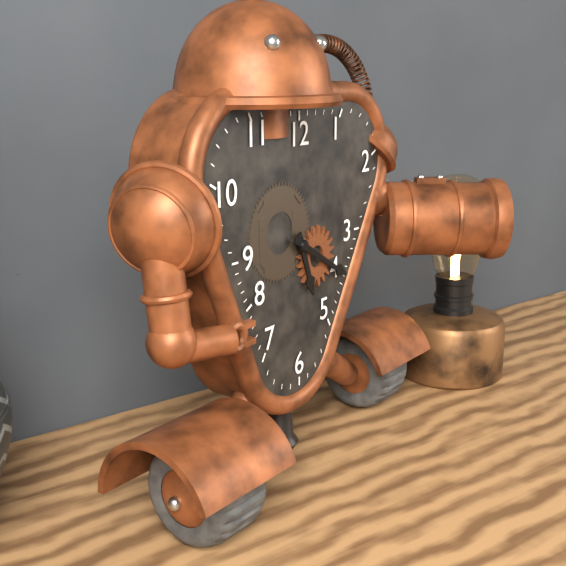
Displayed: 5 h 20 min
